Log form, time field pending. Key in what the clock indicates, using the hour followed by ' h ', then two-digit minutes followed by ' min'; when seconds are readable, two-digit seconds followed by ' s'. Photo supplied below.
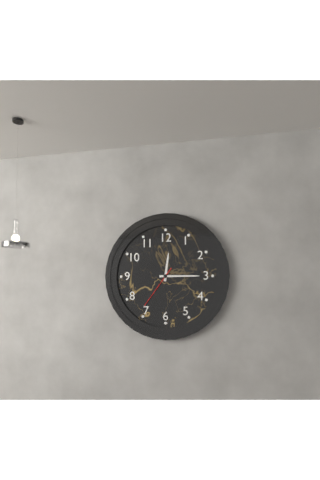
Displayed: 12 h 15 min
